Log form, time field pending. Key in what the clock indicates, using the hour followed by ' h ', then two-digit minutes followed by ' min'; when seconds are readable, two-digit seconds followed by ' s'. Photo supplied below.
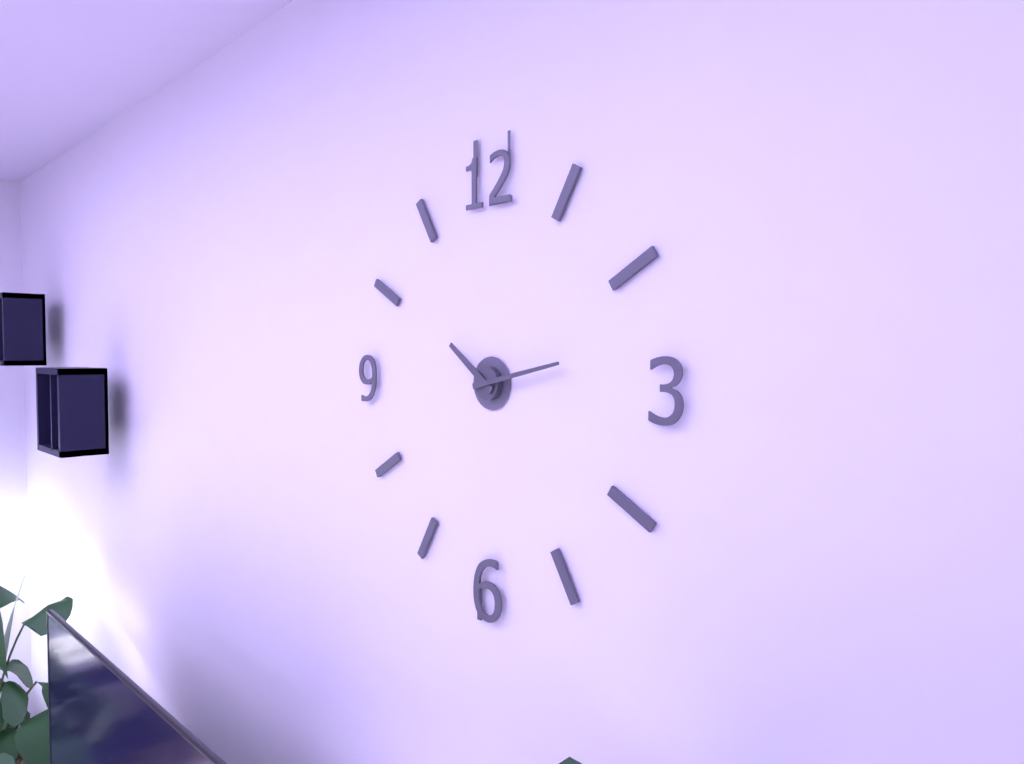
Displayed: 10 h 13 min
